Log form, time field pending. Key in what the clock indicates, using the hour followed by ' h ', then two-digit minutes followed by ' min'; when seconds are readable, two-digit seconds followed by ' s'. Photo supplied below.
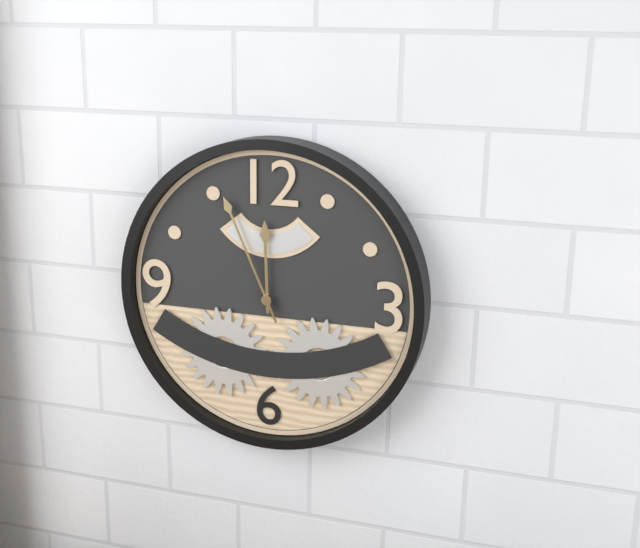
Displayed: 11 h 56 min
